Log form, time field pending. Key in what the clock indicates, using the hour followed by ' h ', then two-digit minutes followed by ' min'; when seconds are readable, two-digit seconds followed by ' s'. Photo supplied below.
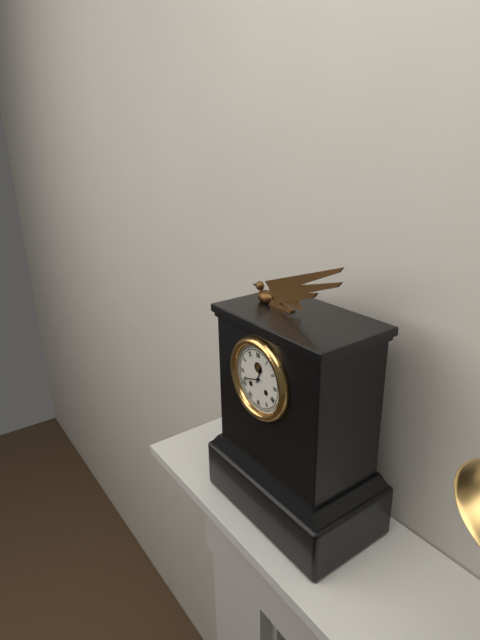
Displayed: 12 h 42 min
